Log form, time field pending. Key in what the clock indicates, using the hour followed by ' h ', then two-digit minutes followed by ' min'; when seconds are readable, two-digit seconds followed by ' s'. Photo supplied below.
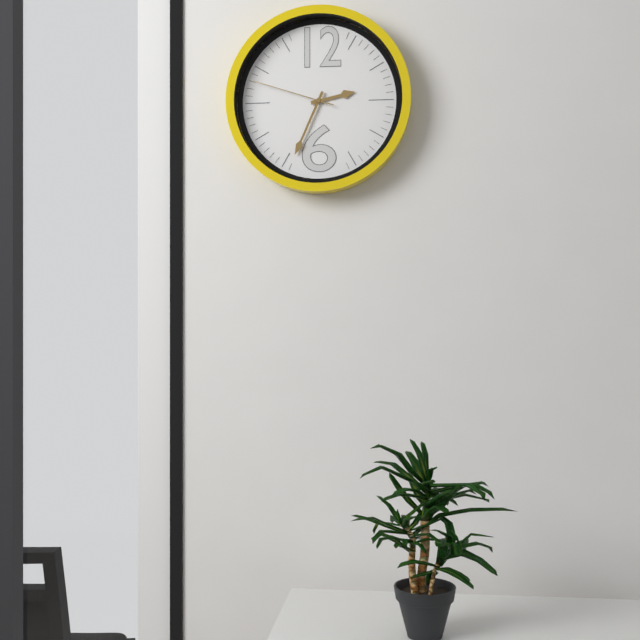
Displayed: 2 h 34 min 48 s
